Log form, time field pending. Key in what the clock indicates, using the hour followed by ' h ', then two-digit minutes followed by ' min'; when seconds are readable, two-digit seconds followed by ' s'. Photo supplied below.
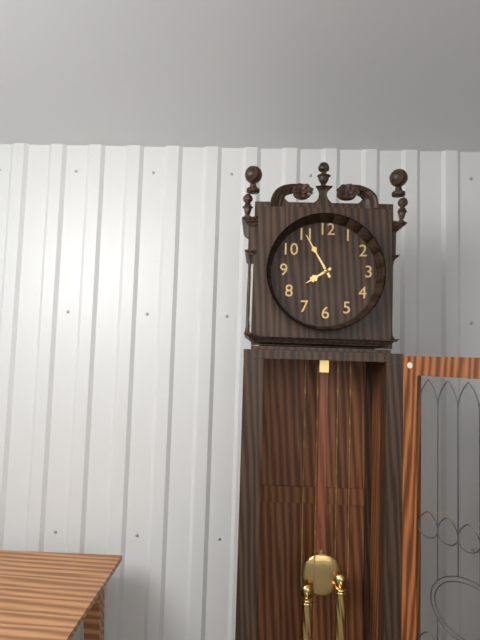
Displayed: 7 h 55 min
